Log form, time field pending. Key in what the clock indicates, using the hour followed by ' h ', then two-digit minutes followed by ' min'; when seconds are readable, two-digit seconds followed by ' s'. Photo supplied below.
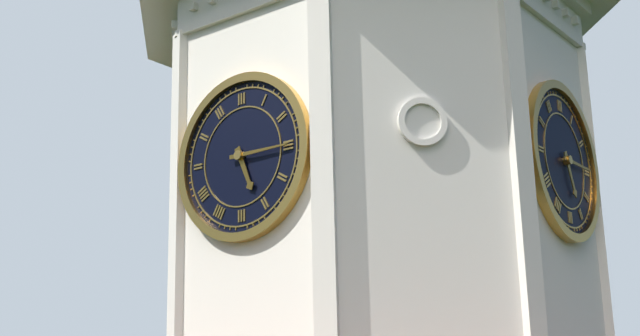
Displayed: 5 h 15 min
